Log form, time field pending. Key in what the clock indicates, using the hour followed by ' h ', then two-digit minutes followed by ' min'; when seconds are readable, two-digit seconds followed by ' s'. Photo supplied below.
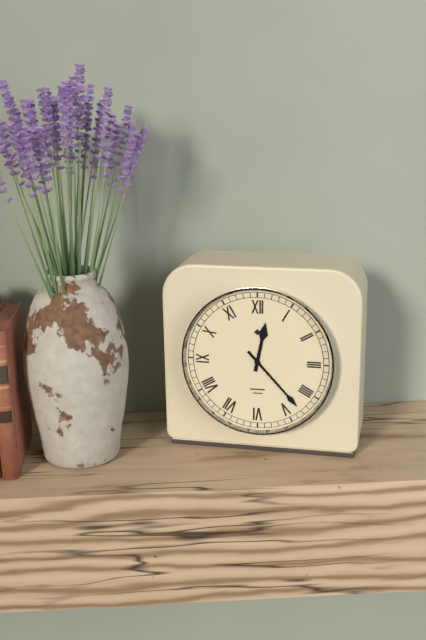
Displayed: 12 h 23 min
